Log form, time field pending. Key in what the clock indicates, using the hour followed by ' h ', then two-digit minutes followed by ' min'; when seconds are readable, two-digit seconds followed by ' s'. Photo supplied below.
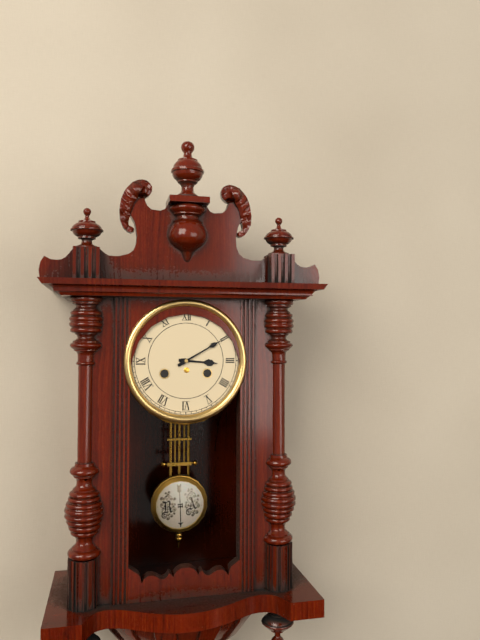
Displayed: 3 h 10 min
